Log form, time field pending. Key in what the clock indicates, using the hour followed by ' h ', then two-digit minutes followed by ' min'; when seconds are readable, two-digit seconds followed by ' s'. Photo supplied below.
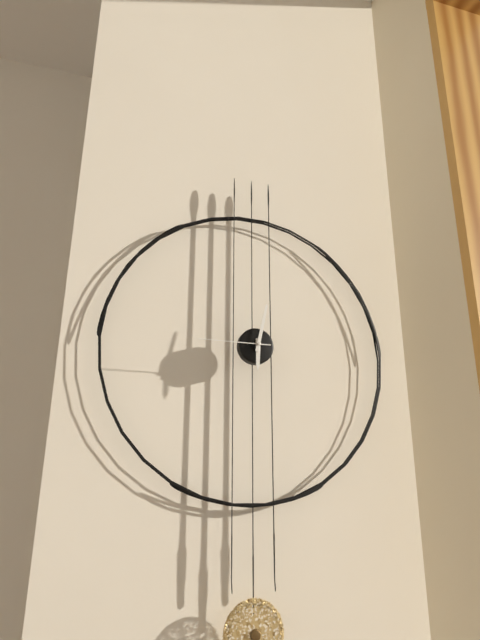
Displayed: 6 h 02 min 45 s
